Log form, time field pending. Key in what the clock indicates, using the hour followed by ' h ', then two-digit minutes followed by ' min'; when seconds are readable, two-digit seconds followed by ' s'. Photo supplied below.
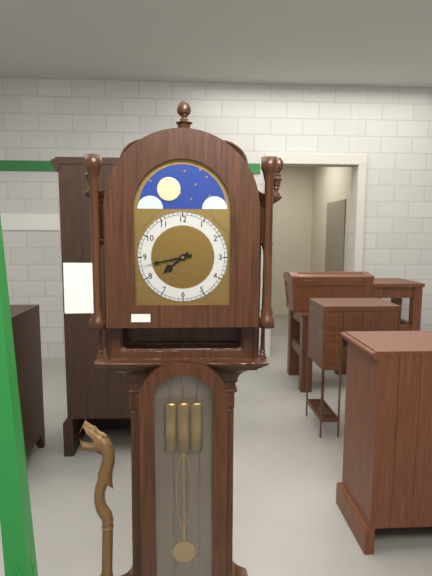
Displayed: 7 h 43 min
